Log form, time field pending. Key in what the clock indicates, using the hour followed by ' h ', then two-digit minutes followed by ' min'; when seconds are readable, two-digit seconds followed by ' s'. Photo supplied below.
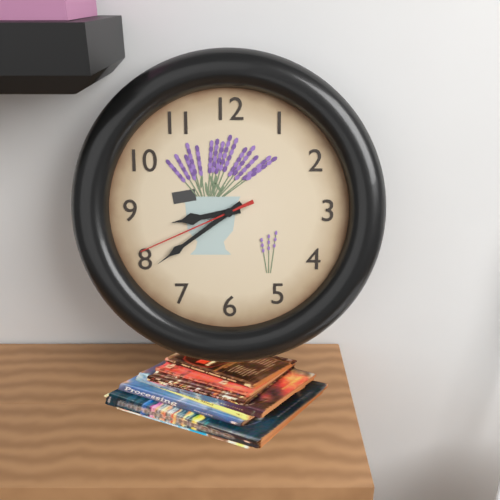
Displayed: 8 h 39 min 41 s
